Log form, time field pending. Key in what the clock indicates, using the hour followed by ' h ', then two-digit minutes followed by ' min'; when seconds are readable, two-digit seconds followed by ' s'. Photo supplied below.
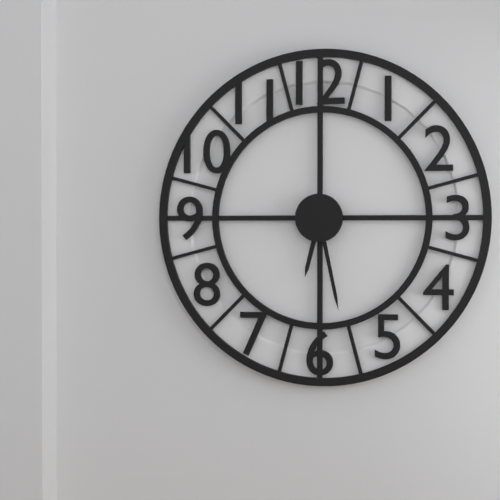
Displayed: 6 h 28 min
